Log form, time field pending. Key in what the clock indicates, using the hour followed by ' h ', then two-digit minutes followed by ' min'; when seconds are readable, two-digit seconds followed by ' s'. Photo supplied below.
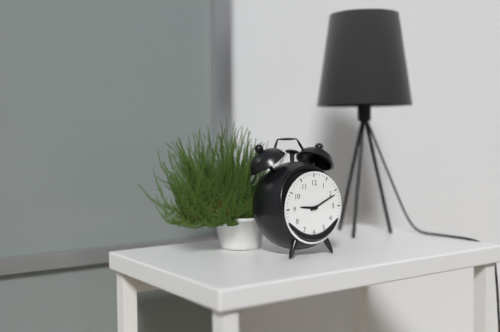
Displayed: 9 h 11 min
